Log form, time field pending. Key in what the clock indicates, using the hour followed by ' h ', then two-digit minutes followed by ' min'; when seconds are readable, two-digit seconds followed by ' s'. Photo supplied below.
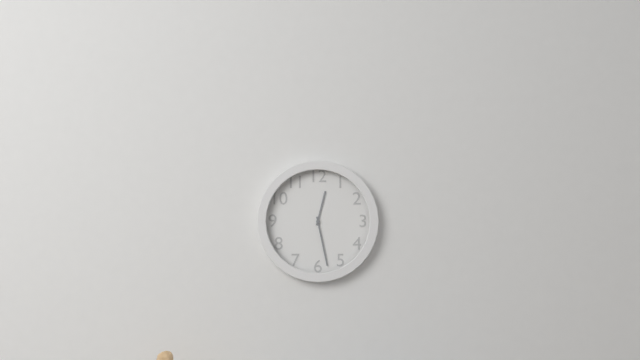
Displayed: 12 h 28 min
